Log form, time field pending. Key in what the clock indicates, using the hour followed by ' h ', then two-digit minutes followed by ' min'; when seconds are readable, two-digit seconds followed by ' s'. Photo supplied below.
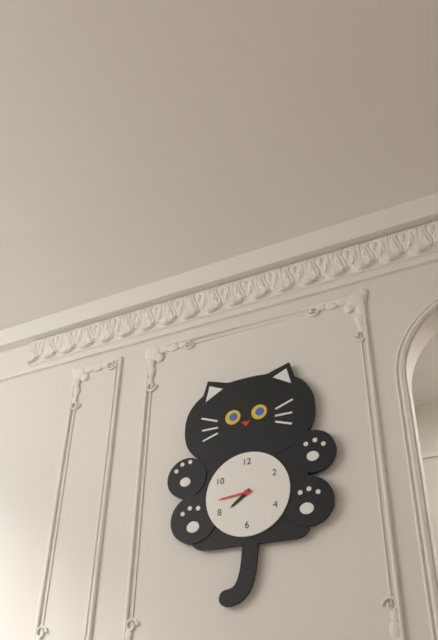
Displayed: 7 h 44 min
